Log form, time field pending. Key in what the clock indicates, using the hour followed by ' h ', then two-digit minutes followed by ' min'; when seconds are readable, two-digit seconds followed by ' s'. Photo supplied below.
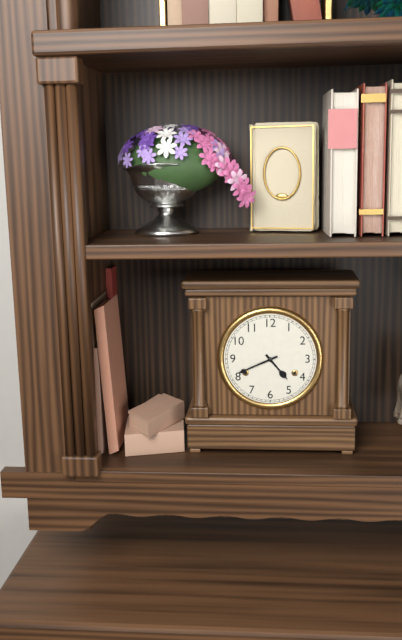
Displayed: 4 h 41 min
